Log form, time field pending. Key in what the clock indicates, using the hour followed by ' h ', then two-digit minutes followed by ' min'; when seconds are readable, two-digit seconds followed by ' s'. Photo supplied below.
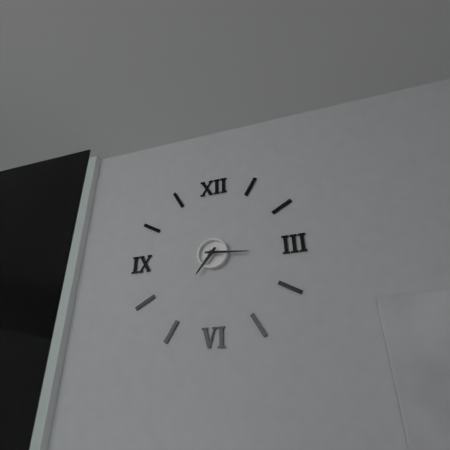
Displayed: 7 h 16 min
